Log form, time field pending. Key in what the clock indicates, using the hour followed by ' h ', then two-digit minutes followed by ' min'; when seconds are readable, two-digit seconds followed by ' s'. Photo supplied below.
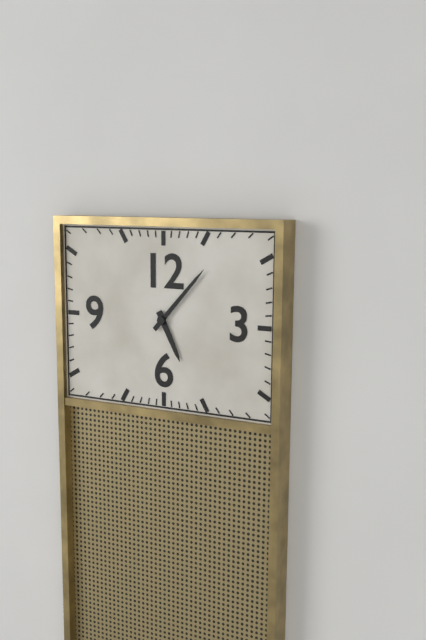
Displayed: 5 h 07 min
